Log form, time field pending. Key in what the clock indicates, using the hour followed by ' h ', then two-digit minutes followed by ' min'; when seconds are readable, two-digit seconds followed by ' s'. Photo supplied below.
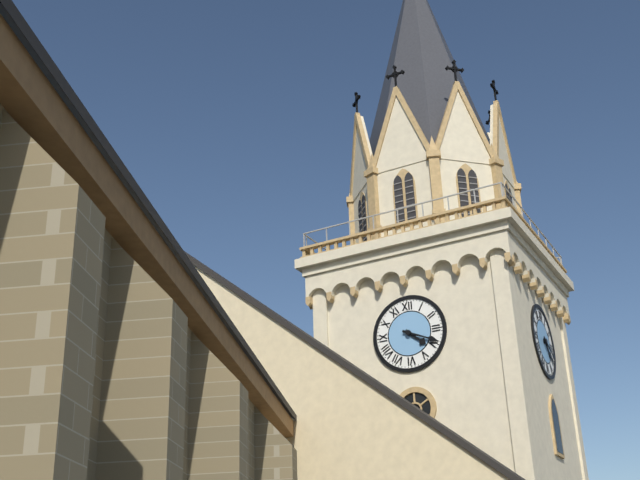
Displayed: 4 h 19 min
